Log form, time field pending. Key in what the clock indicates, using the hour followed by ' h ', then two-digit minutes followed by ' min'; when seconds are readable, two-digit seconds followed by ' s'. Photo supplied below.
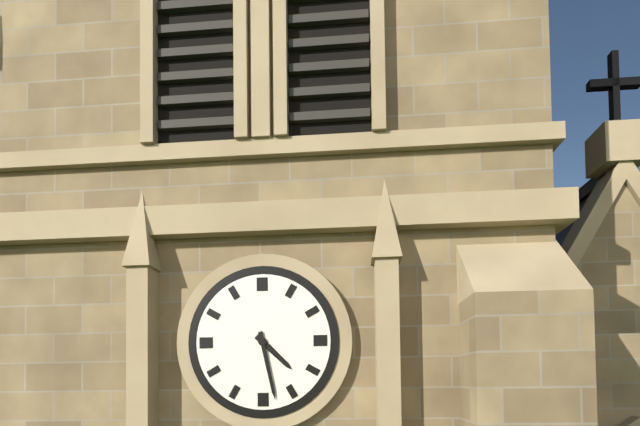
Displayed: 4 h 28 min
